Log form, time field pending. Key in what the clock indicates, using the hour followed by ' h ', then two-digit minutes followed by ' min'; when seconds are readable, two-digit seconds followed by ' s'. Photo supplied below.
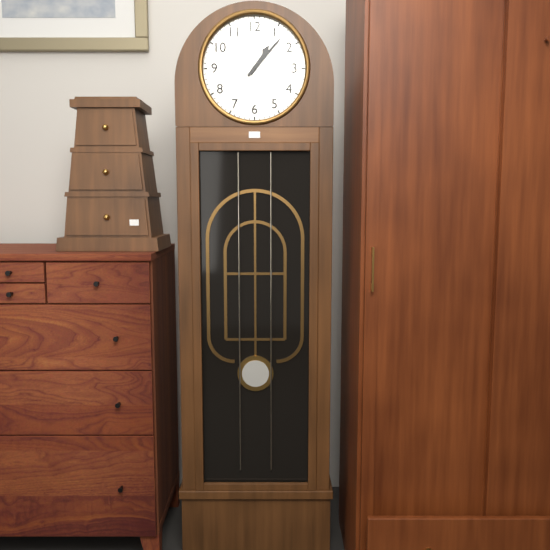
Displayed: 1 h 07 min
